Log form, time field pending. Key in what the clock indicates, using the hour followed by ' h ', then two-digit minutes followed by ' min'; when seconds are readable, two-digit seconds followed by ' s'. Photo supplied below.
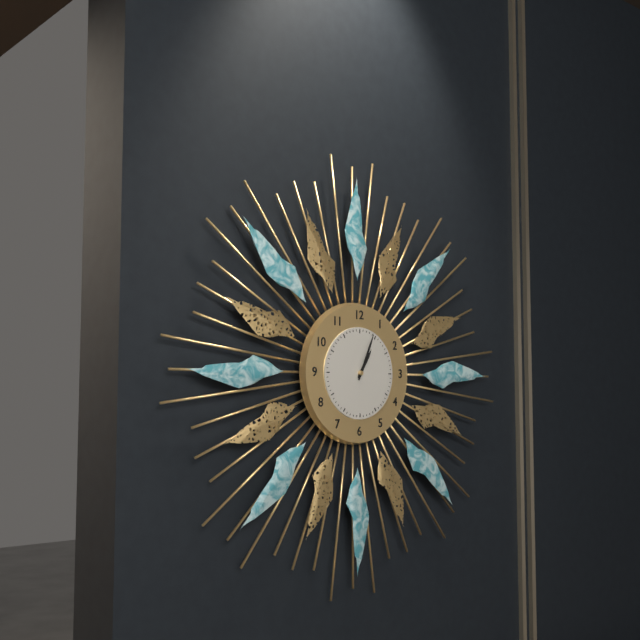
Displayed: 1 h 04 min
